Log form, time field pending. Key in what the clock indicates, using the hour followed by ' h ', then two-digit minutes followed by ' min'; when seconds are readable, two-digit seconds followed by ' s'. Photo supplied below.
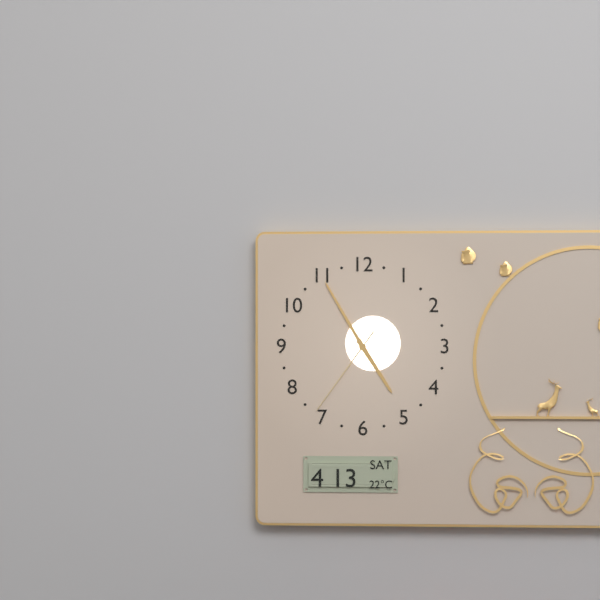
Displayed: 4 h 55 min 36 s
